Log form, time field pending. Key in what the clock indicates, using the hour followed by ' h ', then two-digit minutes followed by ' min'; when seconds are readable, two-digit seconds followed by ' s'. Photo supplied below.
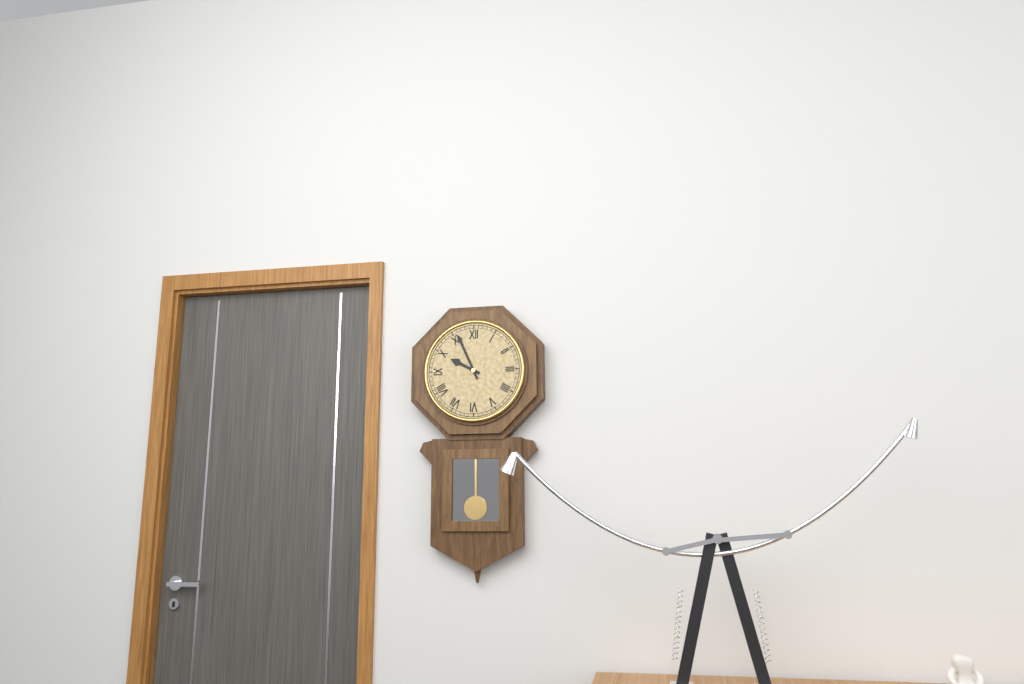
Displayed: 9 h 56 min
